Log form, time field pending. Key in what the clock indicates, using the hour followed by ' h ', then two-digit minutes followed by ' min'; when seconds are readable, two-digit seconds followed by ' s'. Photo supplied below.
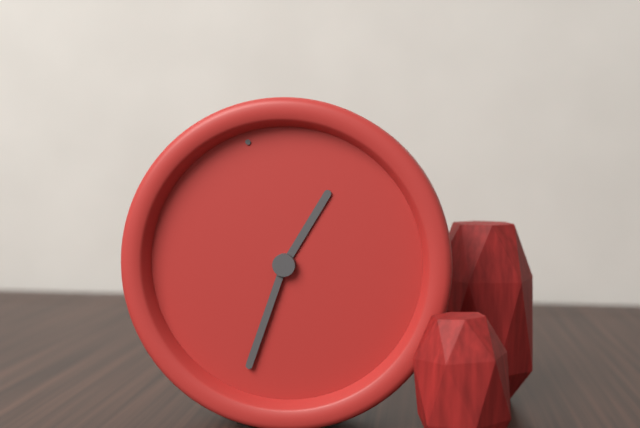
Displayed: 1 h 36 min
